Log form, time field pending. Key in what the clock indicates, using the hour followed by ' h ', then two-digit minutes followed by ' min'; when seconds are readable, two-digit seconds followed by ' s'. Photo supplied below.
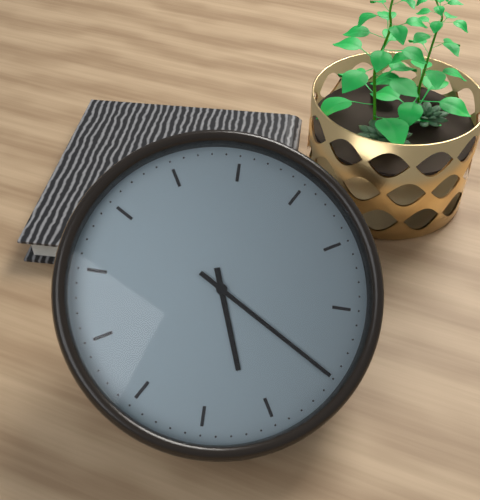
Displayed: 5 h 20 min
